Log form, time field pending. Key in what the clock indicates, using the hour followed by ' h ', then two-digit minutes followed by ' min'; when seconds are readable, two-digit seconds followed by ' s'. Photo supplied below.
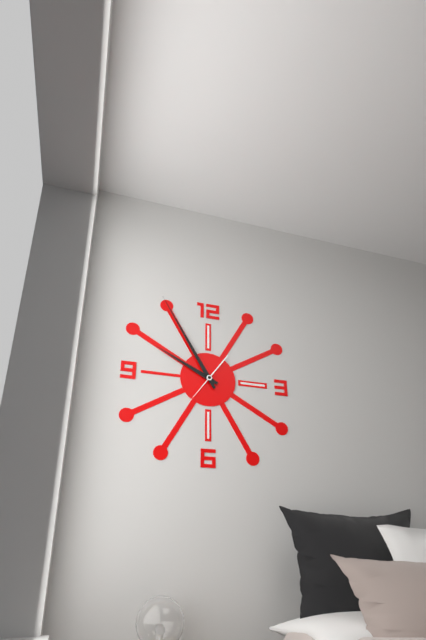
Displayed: 9 h 55 min
